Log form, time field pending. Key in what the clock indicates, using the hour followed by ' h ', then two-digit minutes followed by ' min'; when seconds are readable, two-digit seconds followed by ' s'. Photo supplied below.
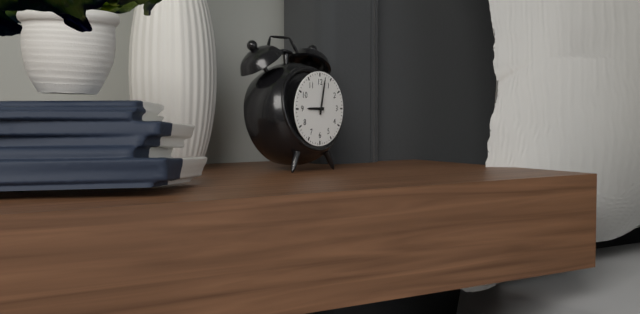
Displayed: 9 h 02 min
